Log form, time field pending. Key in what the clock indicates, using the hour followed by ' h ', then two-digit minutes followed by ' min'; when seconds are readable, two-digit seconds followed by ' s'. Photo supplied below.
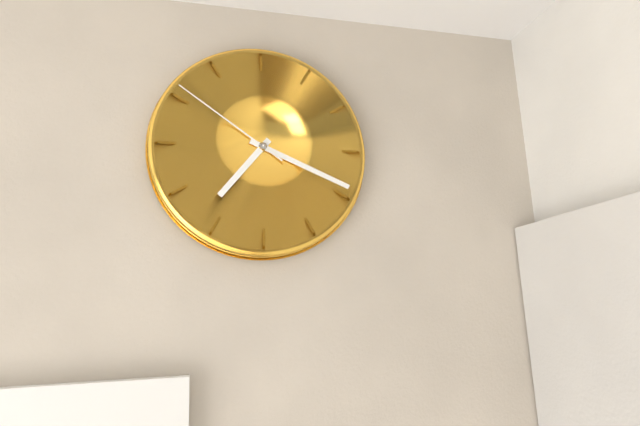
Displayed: 7 h 19 min 51 s
